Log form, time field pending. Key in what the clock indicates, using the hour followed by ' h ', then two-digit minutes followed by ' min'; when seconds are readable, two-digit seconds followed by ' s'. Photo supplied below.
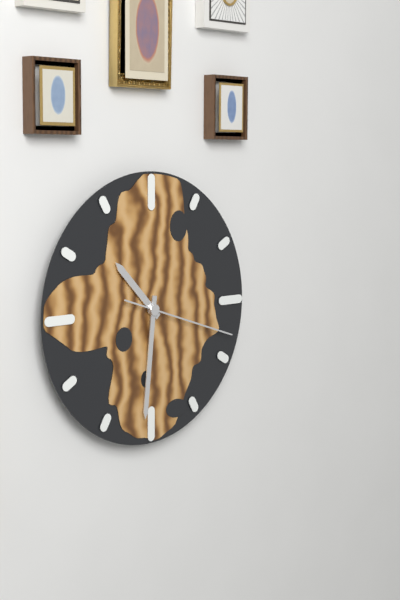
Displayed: 10 h 31 min 18 s
